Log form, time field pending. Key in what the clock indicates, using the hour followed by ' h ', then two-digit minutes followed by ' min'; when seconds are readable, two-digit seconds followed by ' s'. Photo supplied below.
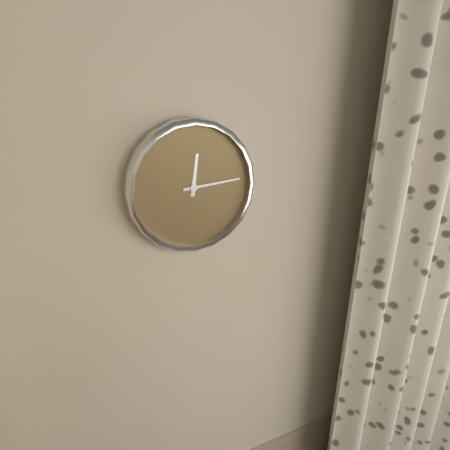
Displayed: 12 h 14 min
